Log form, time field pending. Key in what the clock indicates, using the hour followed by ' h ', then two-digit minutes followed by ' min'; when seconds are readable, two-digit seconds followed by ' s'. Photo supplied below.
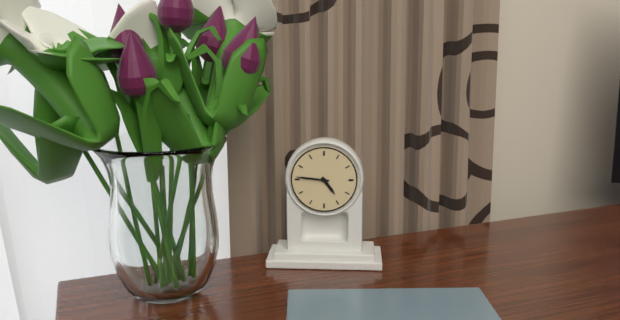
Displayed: 4 h 46 min
